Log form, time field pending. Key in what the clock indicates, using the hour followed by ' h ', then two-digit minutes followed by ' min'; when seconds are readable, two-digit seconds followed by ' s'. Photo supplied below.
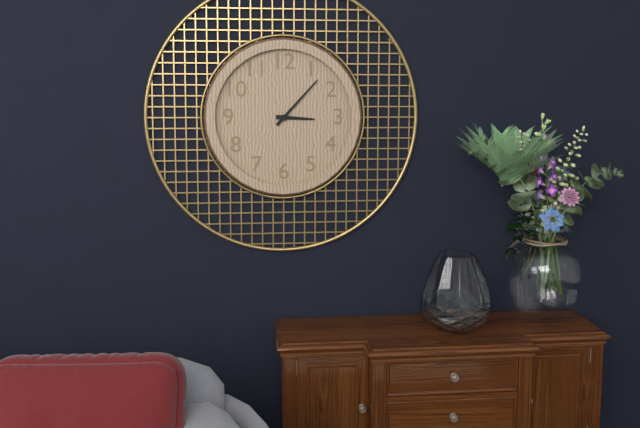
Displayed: 3 h 07 min
